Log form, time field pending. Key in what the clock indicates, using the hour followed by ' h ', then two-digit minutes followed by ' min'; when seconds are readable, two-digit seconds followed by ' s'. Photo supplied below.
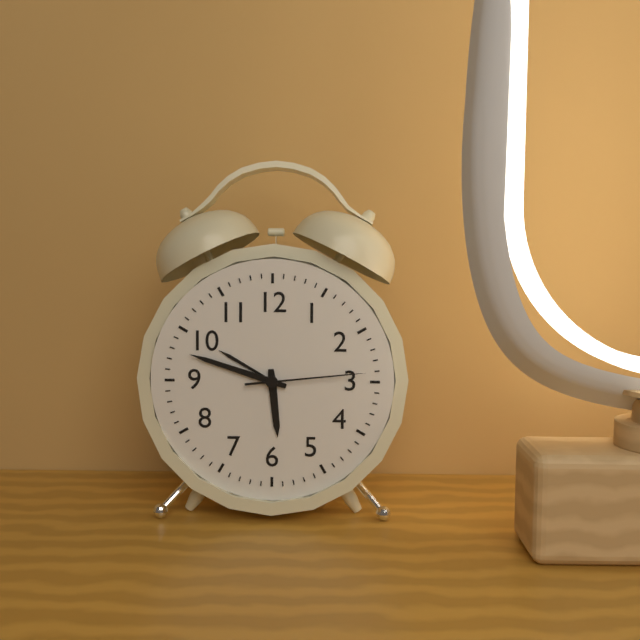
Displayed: 5 h 48 min 14 s
